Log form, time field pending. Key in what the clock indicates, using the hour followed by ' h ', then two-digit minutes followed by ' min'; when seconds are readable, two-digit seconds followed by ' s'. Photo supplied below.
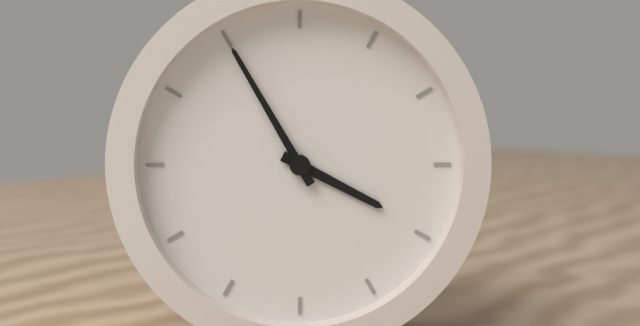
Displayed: 3 h 55 min
